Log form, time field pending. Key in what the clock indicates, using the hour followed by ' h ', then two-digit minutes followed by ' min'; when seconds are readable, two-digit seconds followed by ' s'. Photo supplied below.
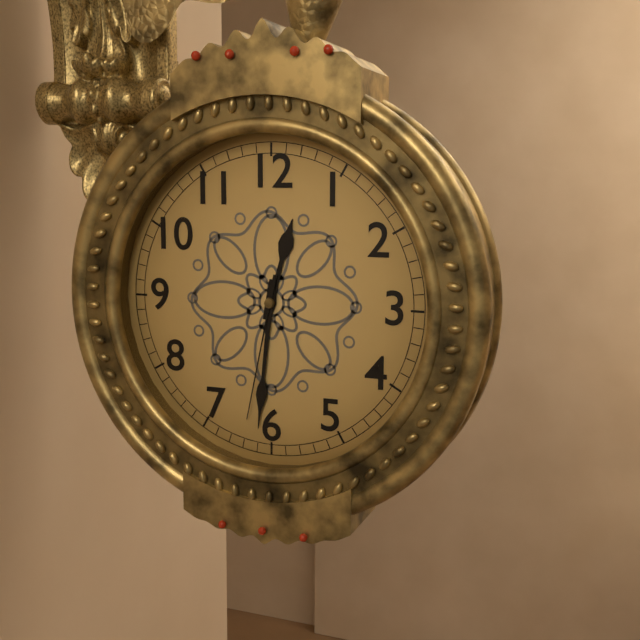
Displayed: 12 h 31 min 32 s
